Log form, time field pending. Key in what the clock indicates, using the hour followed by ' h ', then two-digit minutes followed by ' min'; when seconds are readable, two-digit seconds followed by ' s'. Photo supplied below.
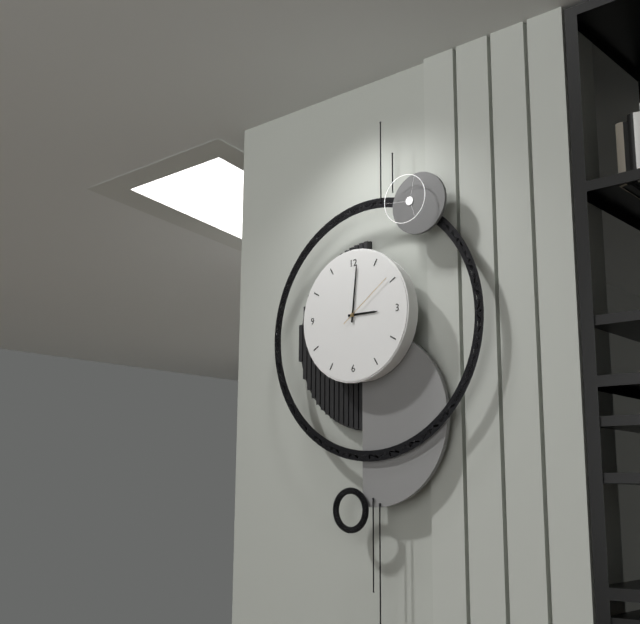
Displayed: 3 h 01 min 09 s
